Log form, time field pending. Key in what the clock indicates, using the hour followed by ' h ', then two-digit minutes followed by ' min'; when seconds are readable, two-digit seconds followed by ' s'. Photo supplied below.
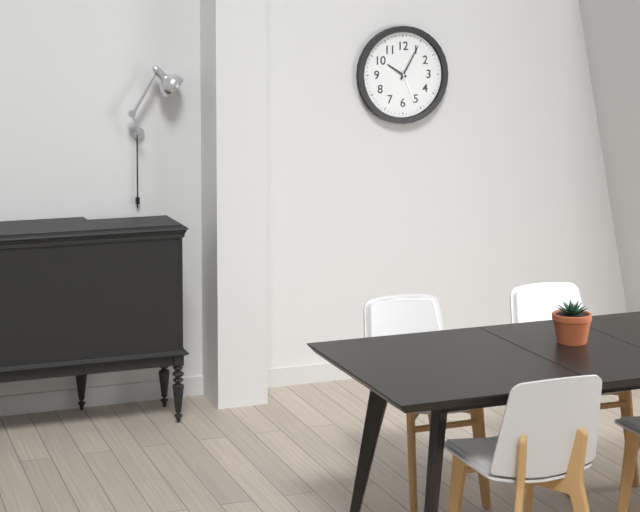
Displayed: 10 h 05 min
